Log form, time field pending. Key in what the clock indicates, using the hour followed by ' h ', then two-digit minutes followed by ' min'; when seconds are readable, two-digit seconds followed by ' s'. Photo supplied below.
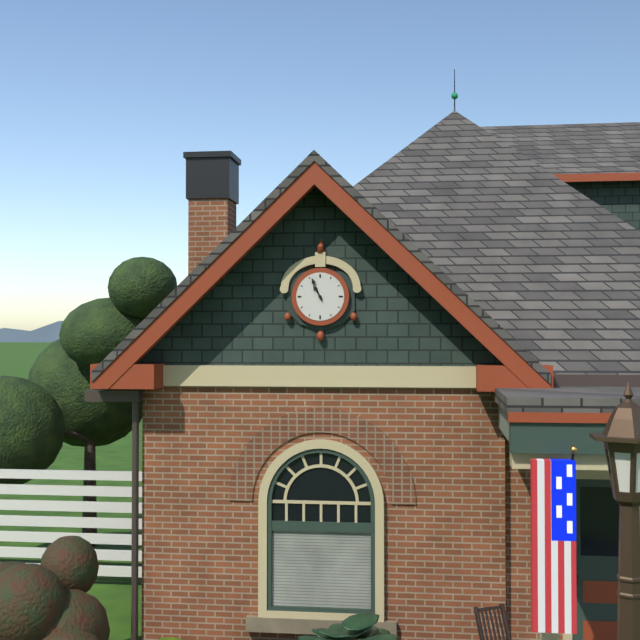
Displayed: 10 h 56 min
